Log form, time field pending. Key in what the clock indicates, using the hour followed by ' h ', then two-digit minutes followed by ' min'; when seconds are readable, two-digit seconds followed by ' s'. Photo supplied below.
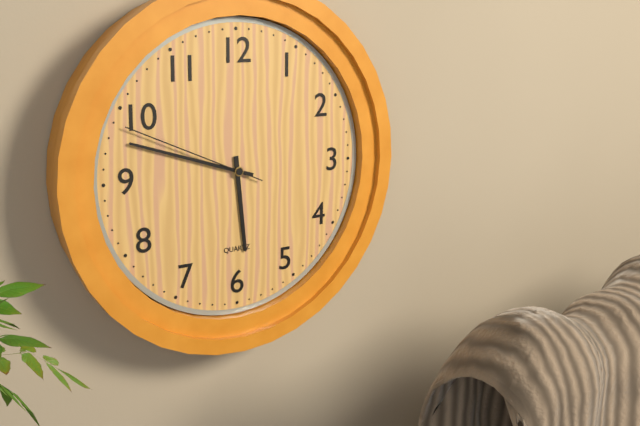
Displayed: 5 h 48 min 49 s
